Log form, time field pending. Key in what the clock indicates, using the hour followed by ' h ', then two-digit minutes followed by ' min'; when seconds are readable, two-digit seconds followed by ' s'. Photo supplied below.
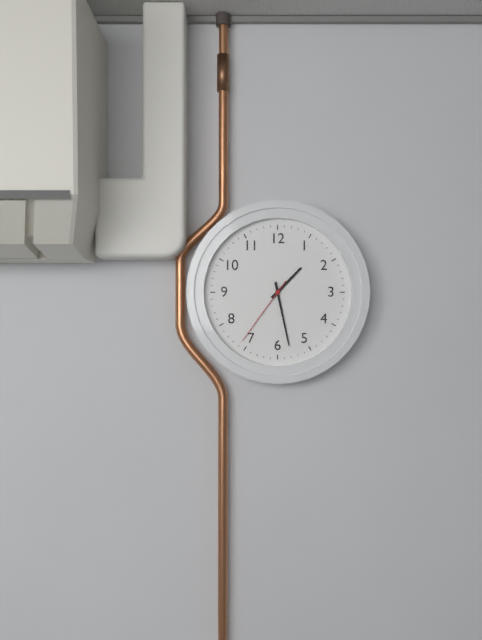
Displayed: 1 h 28 min 36 s
